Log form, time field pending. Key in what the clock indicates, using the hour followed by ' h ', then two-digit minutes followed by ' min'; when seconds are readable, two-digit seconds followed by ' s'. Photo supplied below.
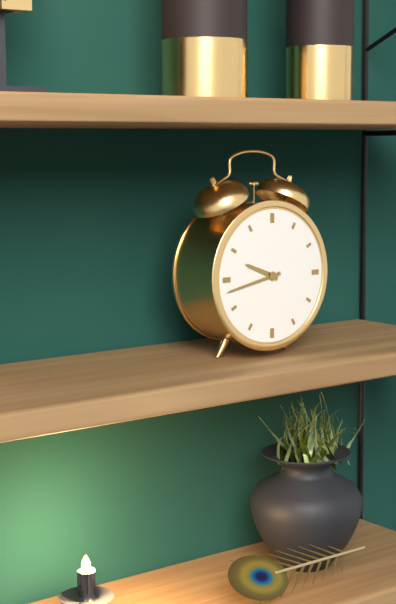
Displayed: 9 h 43 min
